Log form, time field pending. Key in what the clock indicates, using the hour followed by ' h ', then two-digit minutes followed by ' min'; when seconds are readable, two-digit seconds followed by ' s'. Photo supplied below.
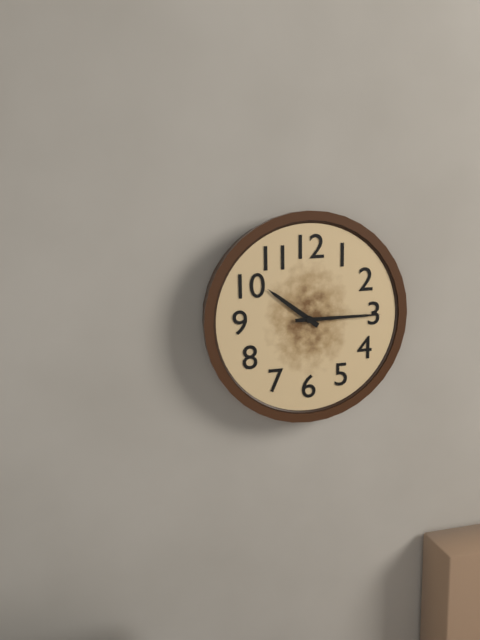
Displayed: 10 h 15 min
